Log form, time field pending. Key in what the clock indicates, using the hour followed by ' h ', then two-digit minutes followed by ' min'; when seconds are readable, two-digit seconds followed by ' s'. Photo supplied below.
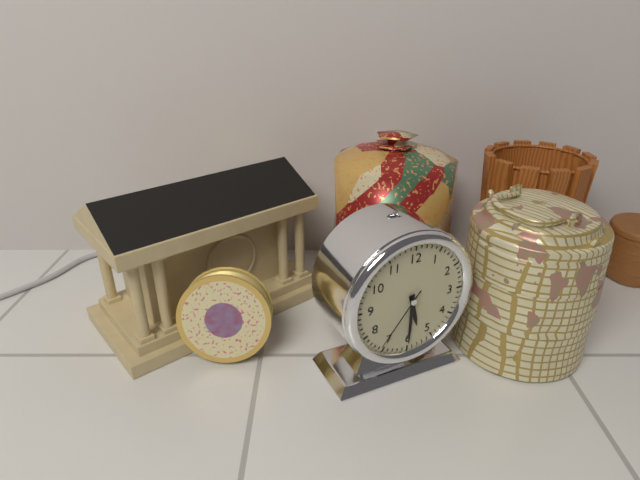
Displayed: 5 h 30 min 36 s
